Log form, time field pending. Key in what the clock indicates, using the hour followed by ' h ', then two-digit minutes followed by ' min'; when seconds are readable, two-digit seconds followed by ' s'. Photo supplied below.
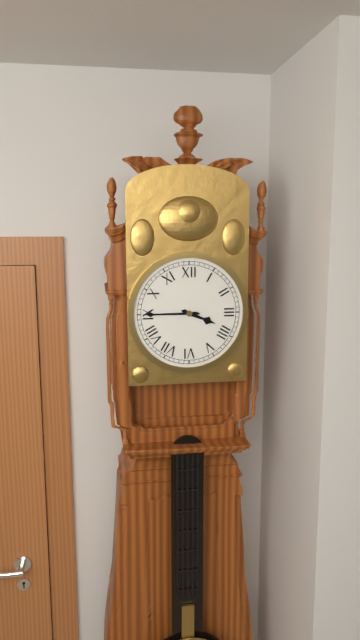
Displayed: 3 h 45 min
